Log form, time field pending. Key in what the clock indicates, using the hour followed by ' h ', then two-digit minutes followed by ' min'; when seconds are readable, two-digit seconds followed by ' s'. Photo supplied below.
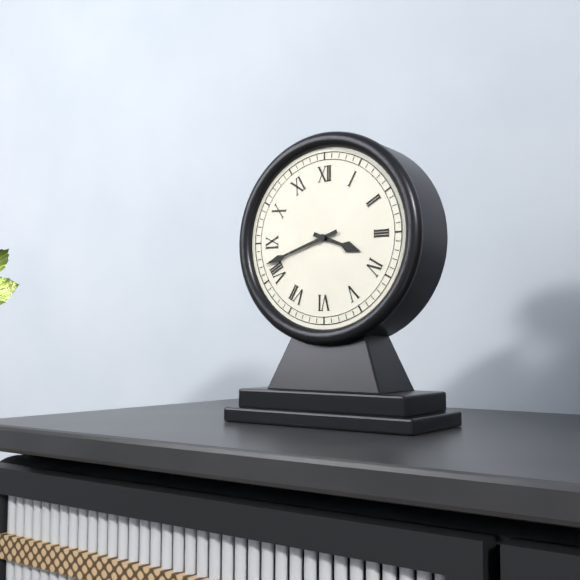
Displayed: 3 h 42 min
